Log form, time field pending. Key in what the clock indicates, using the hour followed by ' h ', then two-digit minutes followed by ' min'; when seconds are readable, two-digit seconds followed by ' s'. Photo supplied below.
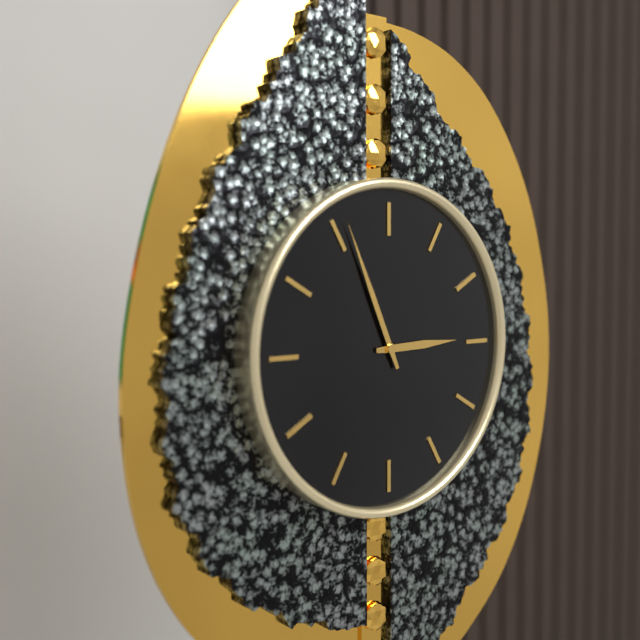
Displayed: 2 h 56 min
